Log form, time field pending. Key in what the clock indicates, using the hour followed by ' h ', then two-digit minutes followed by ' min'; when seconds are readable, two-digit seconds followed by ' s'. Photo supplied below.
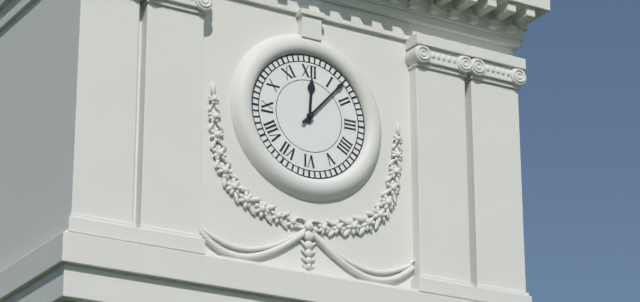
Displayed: 12 h 07 min
